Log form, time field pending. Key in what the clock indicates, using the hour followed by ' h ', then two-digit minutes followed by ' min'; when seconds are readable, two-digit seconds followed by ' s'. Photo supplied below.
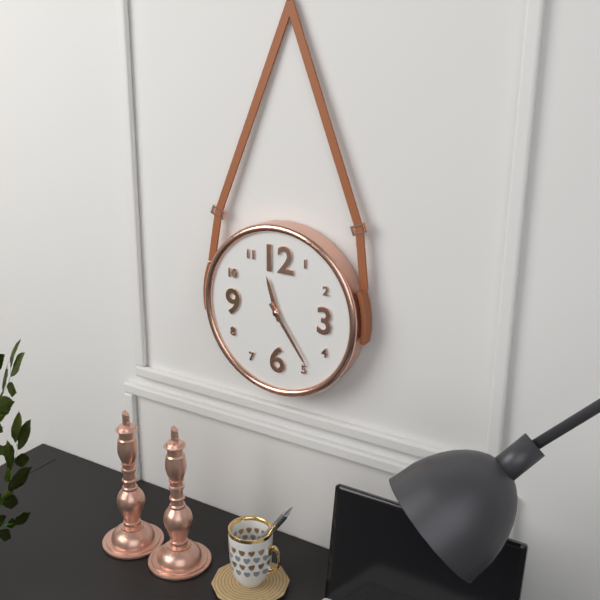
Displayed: 11 h 24 min
